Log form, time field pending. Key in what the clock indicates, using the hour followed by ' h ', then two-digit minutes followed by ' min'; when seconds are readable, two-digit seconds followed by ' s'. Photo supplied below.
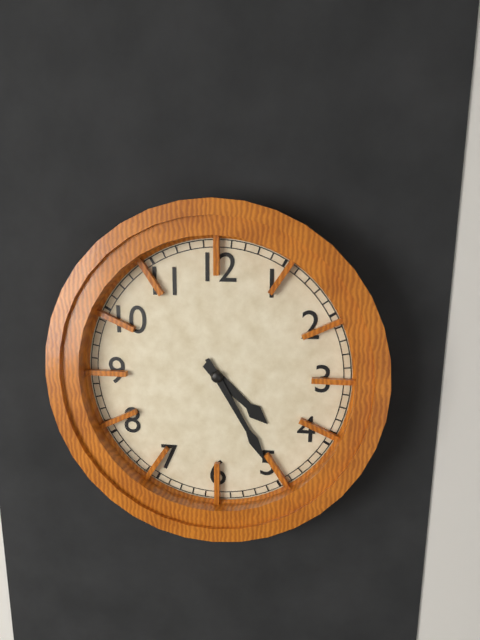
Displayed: 4 h 25 min
